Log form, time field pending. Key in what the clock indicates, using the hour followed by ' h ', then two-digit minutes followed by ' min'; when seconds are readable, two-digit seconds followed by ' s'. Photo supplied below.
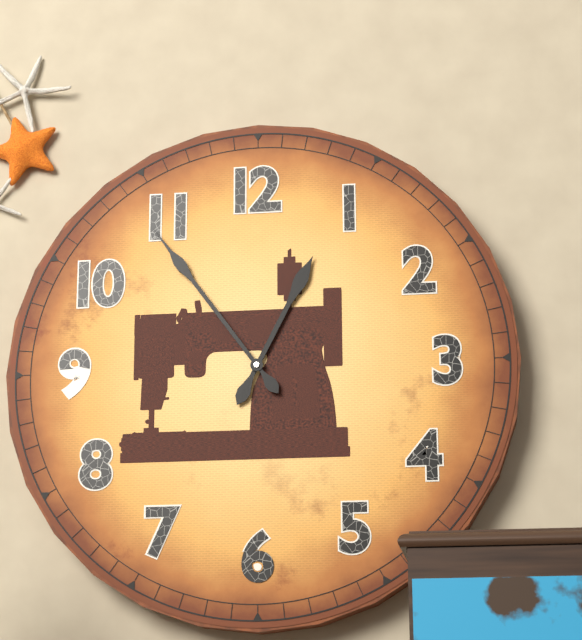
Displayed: 12 h 54 min
